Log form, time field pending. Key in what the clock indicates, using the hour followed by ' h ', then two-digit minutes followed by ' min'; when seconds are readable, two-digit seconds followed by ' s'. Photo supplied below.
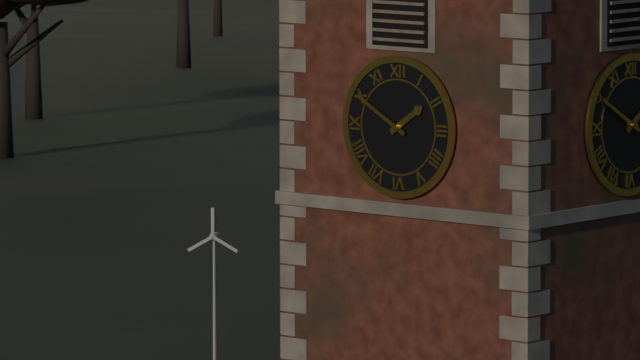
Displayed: 1 h 50 min
